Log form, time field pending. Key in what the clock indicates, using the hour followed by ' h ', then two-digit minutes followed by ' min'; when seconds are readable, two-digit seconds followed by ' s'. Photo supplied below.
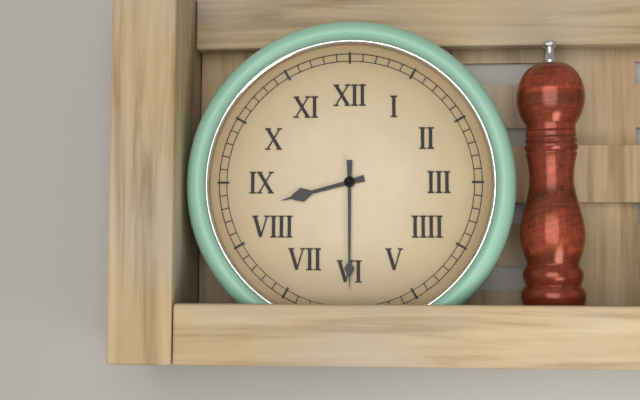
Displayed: 8 h 30 min
